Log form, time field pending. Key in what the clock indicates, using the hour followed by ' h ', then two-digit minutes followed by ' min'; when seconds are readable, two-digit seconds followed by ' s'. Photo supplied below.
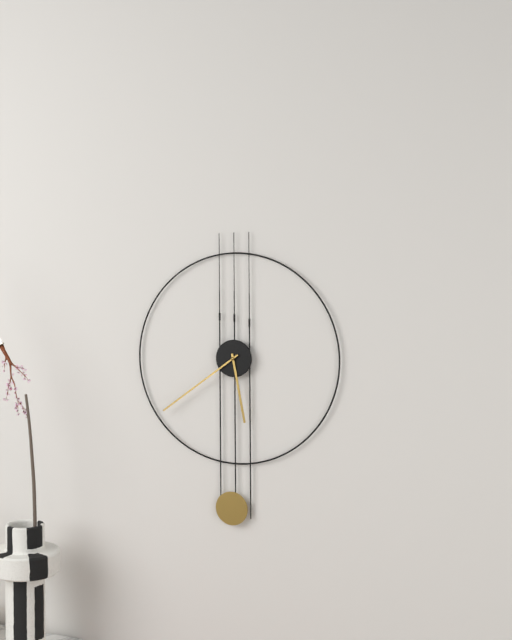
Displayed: 5 h 39 min
